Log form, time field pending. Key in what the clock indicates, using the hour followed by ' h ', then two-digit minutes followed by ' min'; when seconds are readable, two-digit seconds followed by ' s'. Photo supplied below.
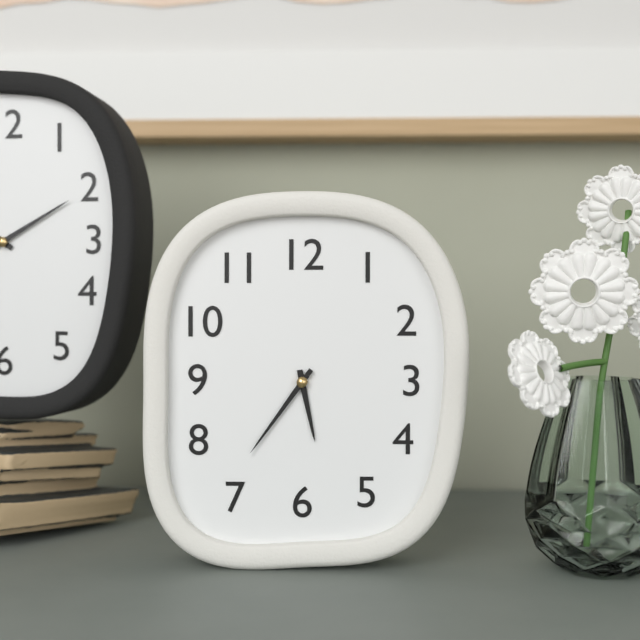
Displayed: 5 h 36 min
